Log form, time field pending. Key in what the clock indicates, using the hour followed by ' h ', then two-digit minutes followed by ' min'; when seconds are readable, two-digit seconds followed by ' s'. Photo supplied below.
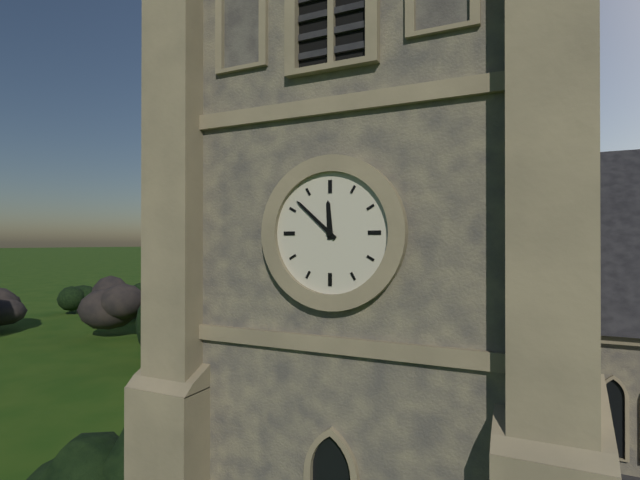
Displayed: 11 h 52 min
